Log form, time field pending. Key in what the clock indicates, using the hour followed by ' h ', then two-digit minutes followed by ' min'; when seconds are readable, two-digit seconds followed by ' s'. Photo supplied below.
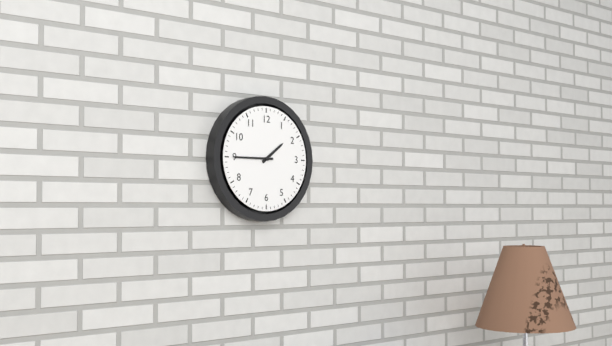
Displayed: 1 h 45 min
